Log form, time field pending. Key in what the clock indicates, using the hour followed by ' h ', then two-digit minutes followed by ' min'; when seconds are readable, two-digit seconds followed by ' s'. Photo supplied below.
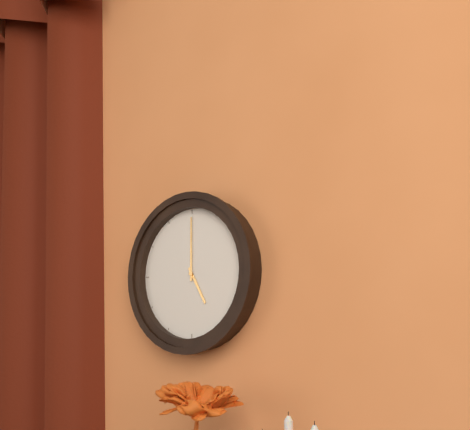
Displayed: 5 h 00 min
